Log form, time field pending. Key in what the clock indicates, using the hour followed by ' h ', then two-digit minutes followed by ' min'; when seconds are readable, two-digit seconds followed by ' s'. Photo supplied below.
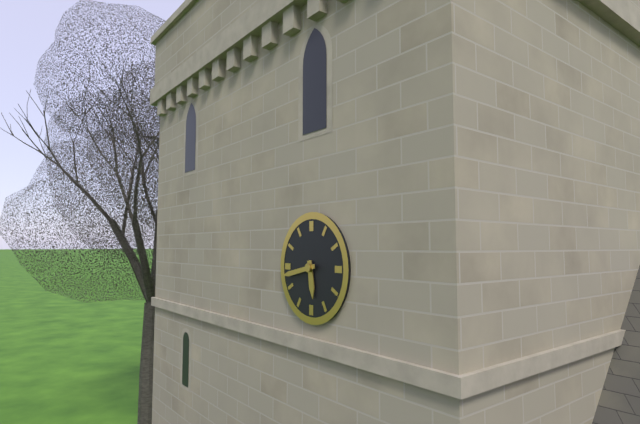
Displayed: 5 h 43 min
